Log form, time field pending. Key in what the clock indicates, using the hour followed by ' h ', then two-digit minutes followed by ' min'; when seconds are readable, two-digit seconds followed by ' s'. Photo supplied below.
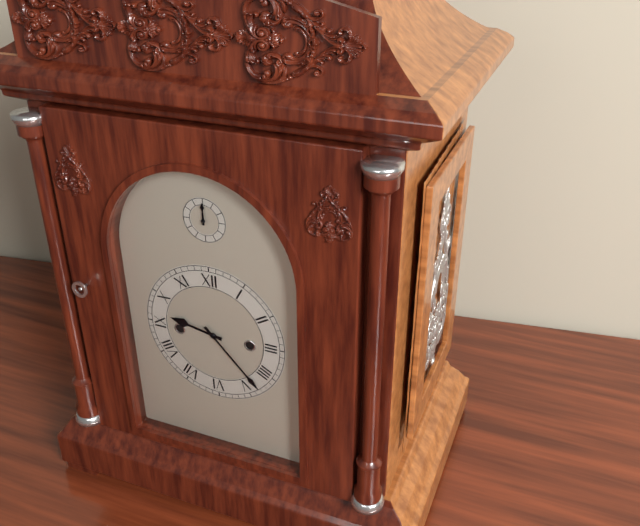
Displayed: 9 h 23 min
